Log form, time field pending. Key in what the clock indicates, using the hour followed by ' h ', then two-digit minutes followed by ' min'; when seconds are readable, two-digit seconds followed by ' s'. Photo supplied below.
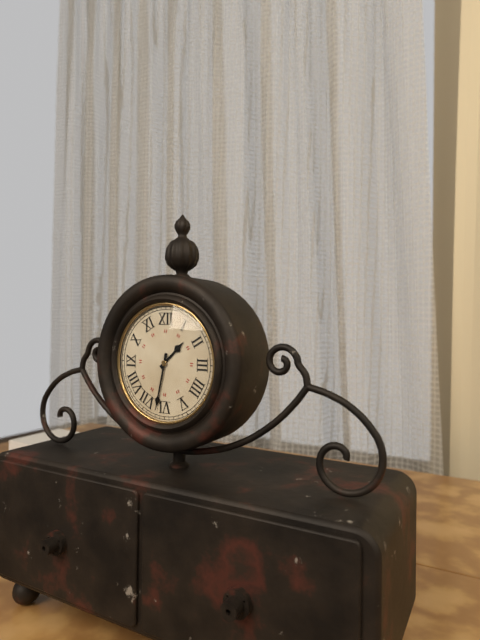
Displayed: 1 h 32 min
